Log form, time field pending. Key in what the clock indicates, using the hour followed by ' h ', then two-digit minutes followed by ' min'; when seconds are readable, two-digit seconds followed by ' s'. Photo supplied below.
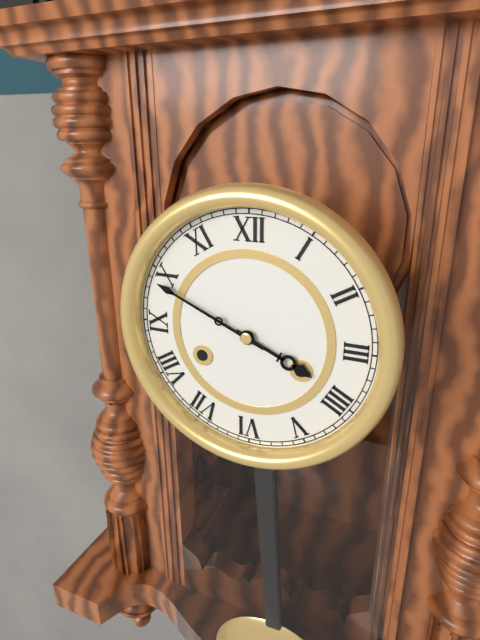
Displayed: 3 h 49 min
